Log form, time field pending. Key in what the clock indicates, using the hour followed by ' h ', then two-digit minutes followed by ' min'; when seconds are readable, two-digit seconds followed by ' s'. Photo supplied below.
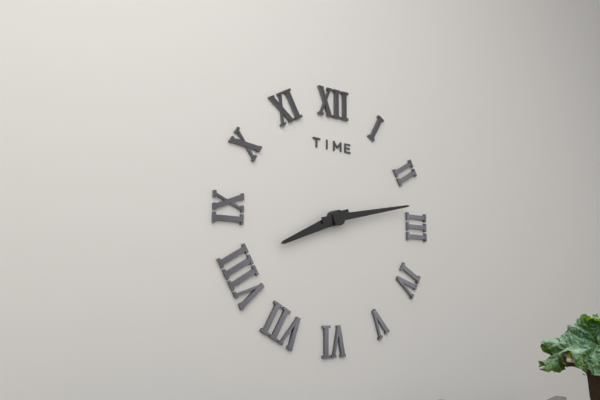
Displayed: 8 h 13 min
